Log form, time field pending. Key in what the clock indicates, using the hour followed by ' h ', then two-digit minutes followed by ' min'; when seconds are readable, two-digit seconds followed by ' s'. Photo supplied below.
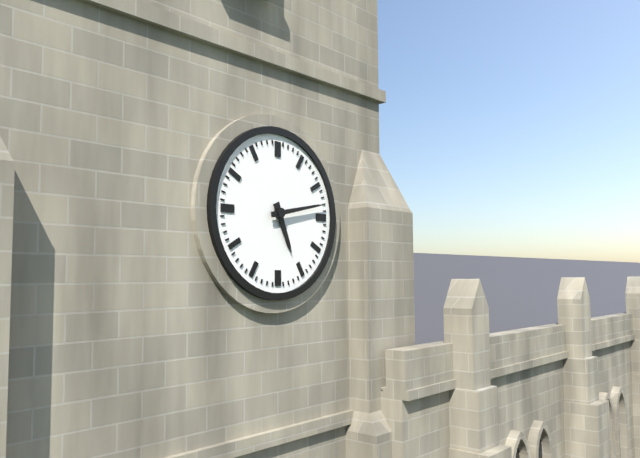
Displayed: 5 h 13 min
